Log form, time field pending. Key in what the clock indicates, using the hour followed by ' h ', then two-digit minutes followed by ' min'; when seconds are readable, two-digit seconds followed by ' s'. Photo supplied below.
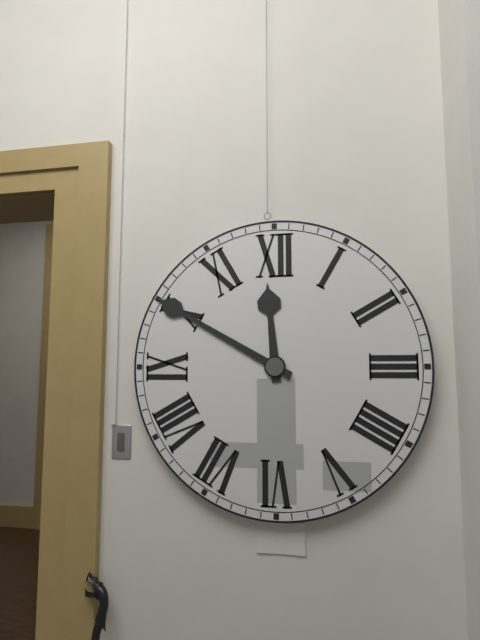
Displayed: 11 h 50 min
